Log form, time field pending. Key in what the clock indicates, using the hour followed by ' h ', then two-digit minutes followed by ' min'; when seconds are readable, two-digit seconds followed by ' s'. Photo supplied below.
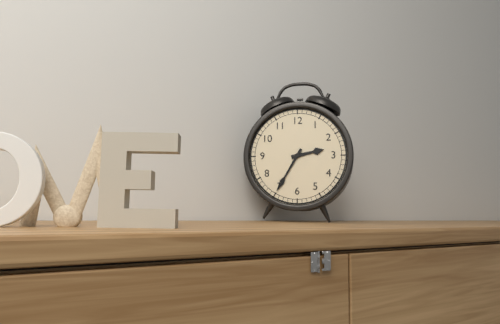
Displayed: 2 h 35 min
